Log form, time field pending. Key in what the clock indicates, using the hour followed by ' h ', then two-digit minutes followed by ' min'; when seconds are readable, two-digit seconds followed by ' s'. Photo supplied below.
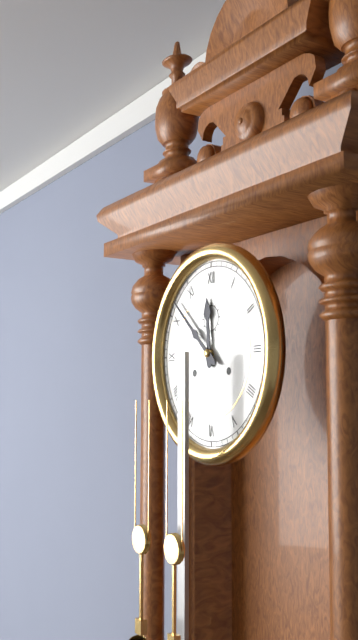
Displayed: 11 h 52 min
